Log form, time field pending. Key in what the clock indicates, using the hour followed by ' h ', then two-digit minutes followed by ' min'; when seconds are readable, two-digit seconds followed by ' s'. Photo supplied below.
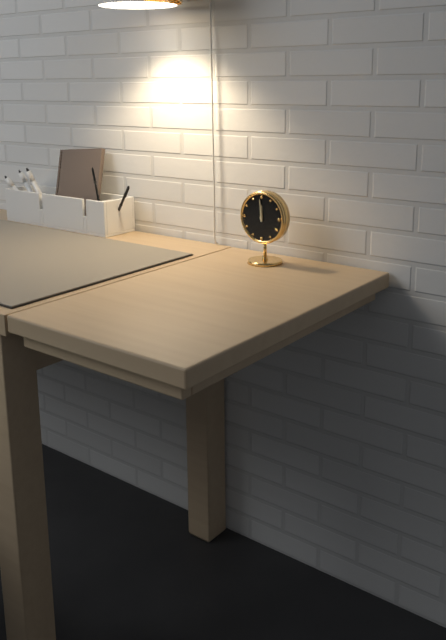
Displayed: 11 h 59 min
